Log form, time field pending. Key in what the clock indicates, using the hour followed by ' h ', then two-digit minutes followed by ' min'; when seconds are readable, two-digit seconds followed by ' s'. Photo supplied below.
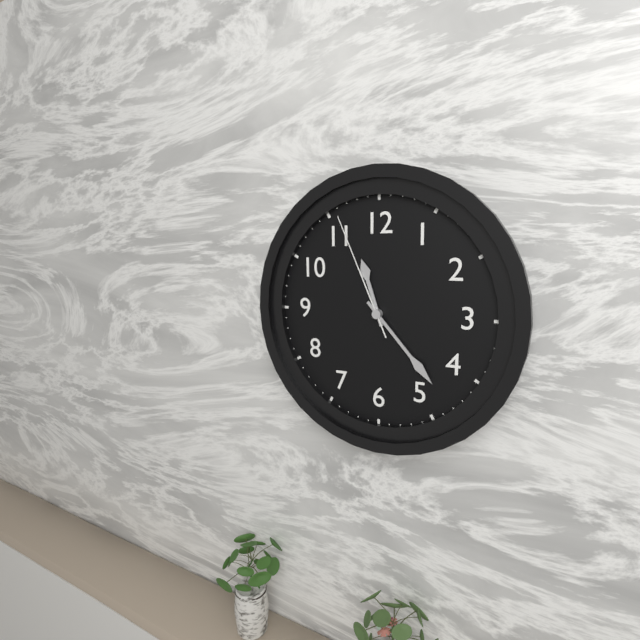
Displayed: 11 h 23 min 56 s
